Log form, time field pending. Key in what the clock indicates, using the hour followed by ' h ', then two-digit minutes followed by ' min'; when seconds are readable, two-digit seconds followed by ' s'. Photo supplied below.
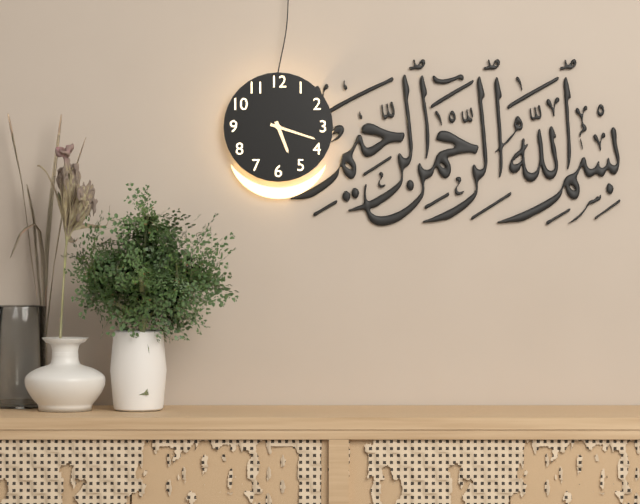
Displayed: 5 h 18 min
